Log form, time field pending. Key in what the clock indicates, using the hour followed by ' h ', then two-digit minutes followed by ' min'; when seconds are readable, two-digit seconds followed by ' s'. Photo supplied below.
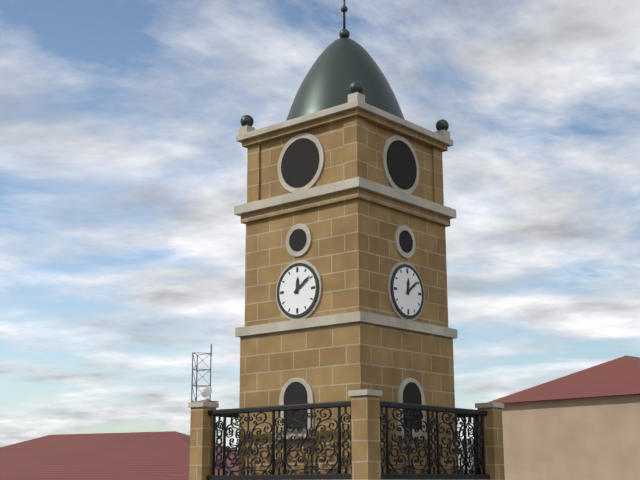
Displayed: 12 h 09 min
